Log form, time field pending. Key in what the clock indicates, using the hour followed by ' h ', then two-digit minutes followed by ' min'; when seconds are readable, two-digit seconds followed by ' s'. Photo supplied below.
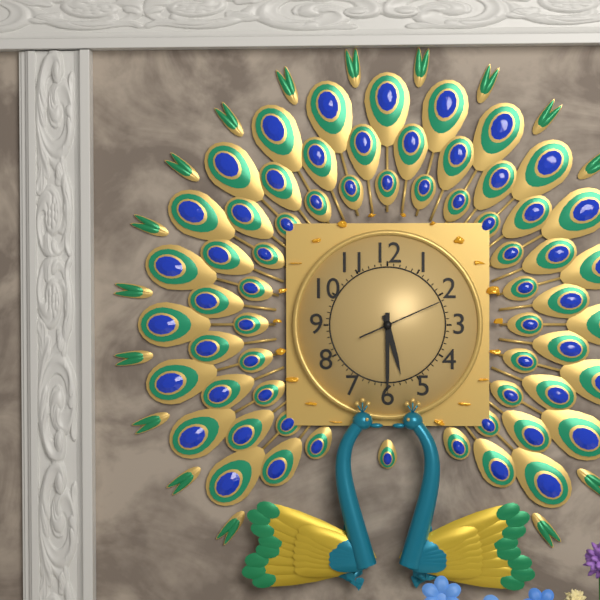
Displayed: 5 h 30 min 11 s
